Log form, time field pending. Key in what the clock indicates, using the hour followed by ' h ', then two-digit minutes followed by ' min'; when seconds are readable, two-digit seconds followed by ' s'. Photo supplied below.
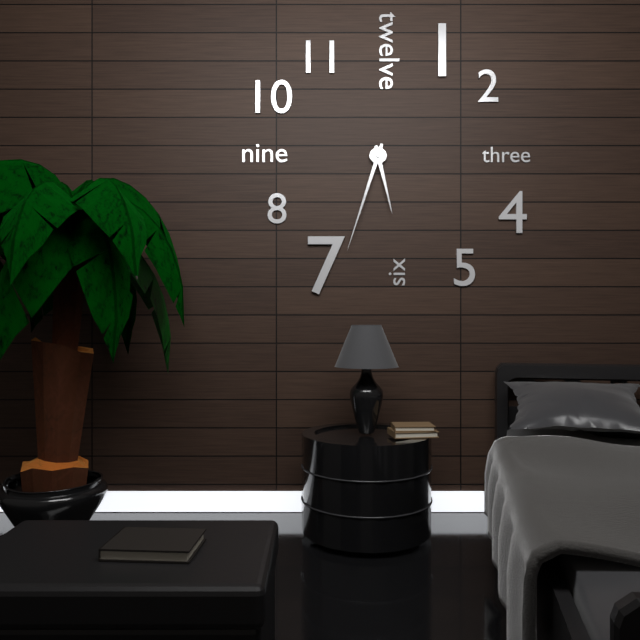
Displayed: 5 h 33 min
